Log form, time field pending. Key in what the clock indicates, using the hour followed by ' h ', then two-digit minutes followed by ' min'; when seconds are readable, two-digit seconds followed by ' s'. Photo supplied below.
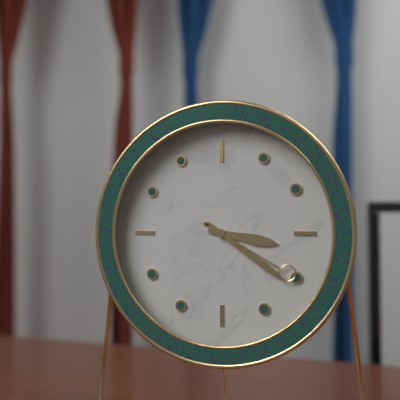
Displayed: 3 h 21 min 20 s
